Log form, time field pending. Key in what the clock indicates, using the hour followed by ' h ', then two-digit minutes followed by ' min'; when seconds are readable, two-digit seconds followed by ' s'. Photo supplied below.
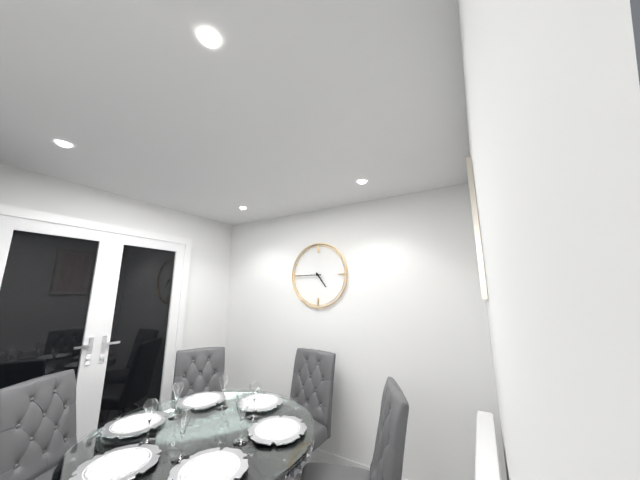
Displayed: 4 h 45 min
